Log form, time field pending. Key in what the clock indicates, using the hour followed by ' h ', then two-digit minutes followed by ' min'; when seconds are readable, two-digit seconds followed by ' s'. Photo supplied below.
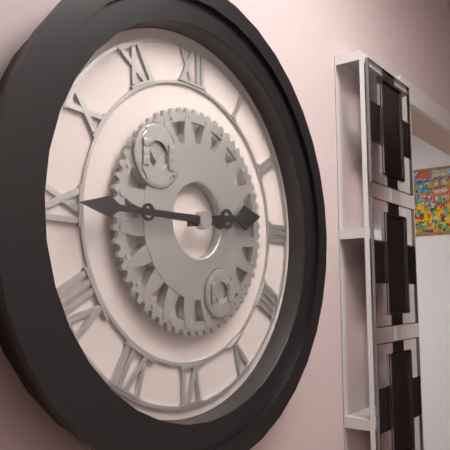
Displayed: 2 h 45 min
